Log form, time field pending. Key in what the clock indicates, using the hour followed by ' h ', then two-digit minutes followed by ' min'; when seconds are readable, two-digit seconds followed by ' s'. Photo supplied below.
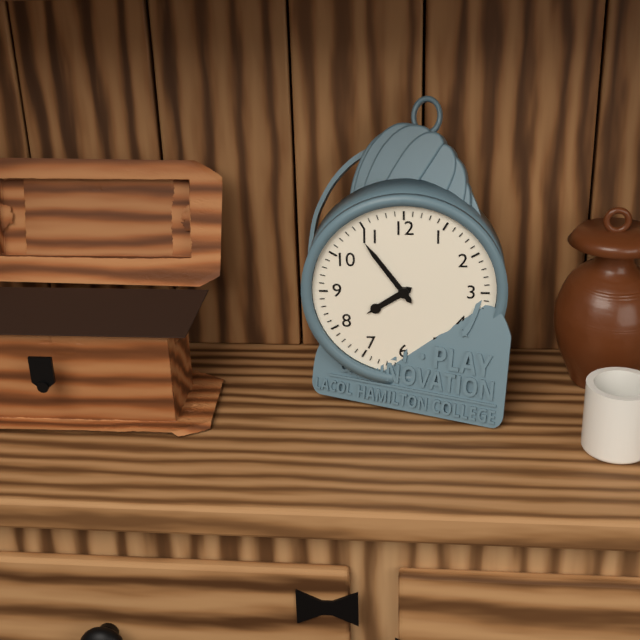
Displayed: 7 h 54 min
